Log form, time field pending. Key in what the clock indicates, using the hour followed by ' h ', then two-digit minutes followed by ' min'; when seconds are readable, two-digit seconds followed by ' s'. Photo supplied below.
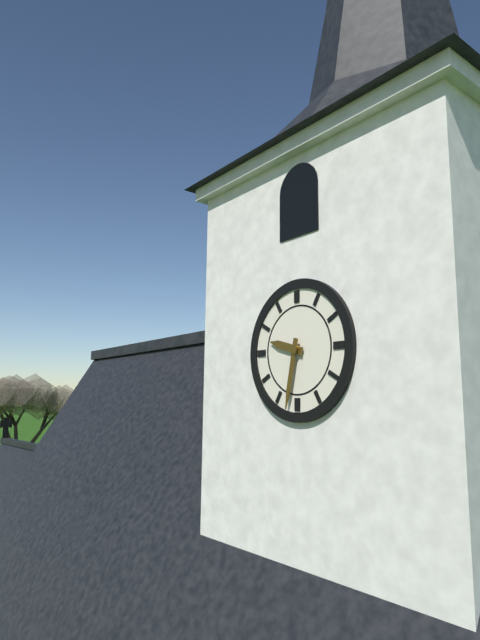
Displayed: 9 h 32 min
